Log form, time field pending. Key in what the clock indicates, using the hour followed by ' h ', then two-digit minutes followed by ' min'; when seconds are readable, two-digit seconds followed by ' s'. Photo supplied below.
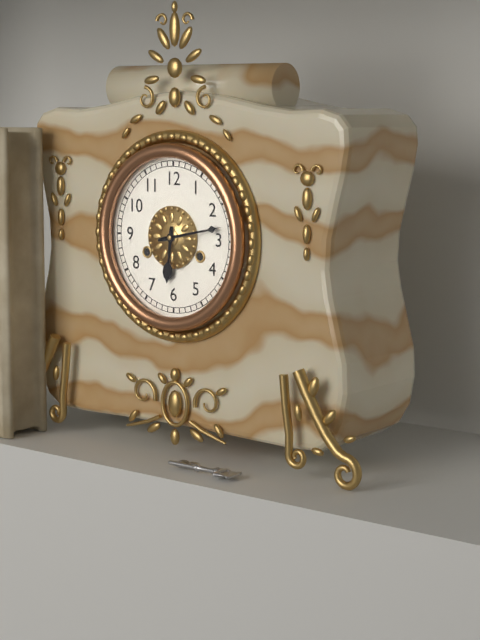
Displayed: 6 h 13 min
